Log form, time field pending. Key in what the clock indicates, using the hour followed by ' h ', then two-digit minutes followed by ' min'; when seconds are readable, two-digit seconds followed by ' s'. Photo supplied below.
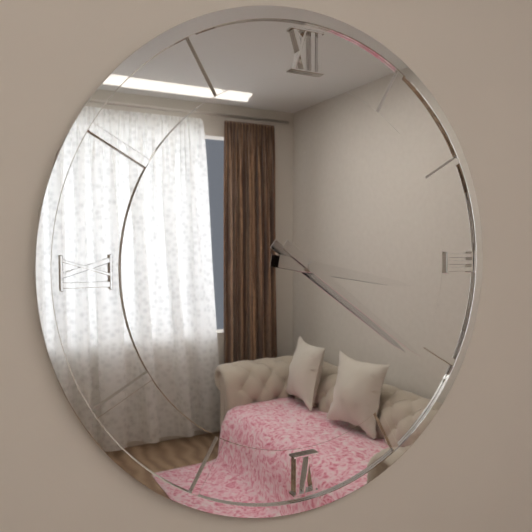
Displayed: 3 h 21 min
